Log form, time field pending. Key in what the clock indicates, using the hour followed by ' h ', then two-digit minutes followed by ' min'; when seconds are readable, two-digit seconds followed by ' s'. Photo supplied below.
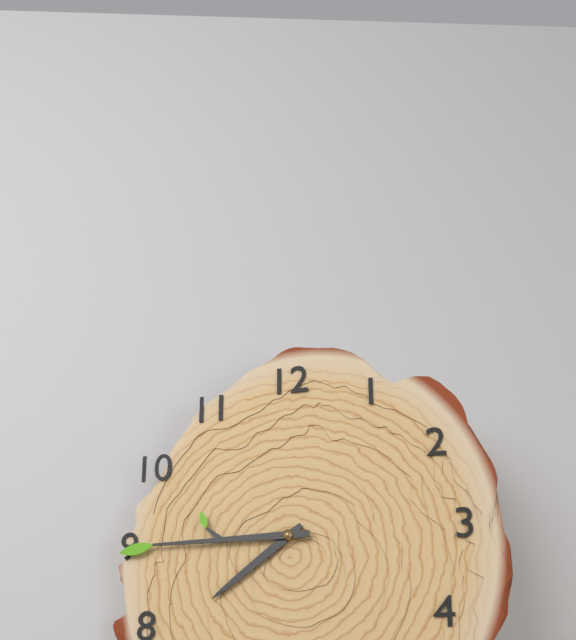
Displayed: 7 h 45 min
